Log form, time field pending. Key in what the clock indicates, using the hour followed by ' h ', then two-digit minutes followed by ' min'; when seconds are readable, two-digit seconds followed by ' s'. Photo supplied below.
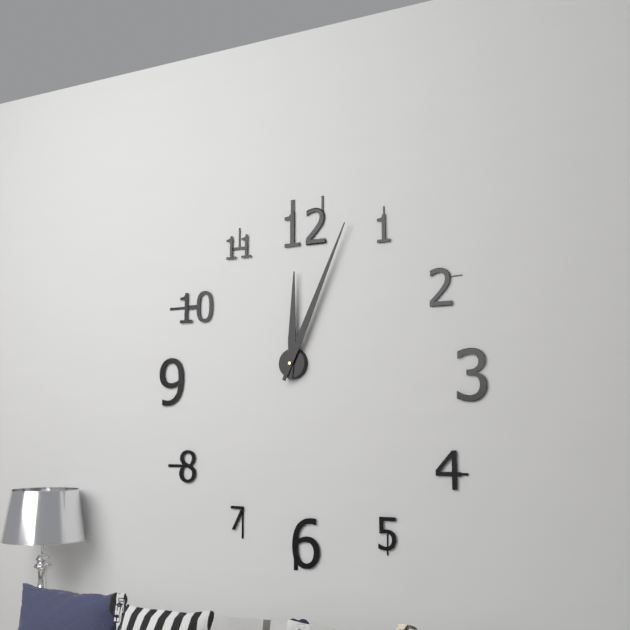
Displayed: 12 h 04 min
